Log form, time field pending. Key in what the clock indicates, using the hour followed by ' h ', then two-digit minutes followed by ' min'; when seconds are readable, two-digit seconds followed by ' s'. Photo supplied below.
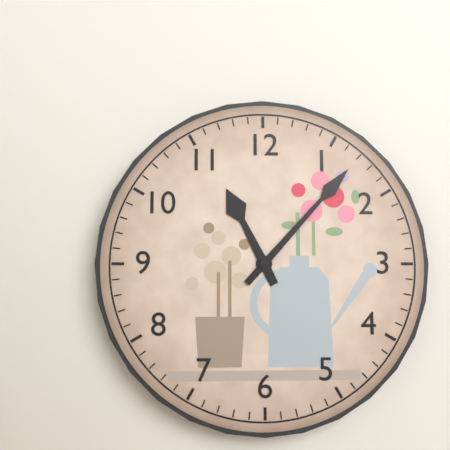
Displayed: 11 h 07 min
